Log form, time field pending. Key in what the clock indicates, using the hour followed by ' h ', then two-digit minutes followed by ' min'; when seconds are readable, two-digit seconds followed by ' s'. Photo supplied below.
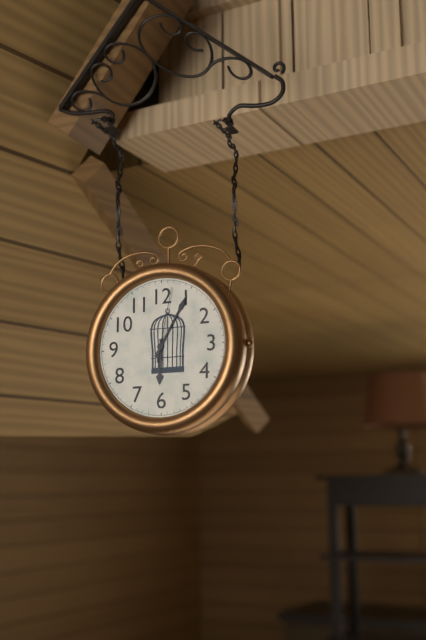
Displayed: 6 h 05 min 02 s
